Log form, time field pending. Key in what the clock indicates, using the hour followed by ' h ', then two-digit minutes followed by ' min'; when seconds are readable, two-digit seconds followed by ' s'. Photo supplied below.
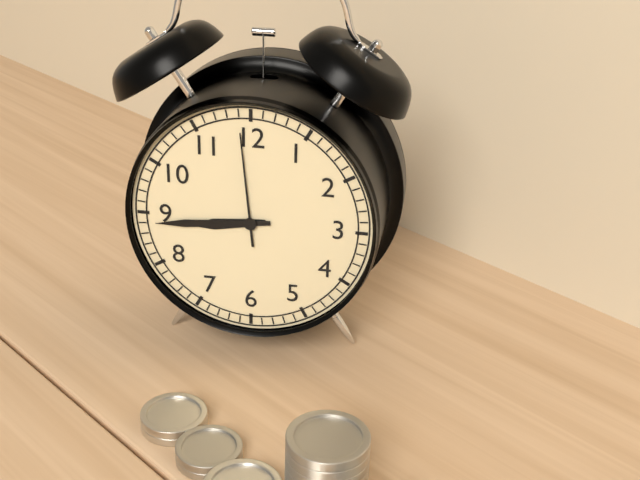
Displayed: 8 h 44 min 59 s
